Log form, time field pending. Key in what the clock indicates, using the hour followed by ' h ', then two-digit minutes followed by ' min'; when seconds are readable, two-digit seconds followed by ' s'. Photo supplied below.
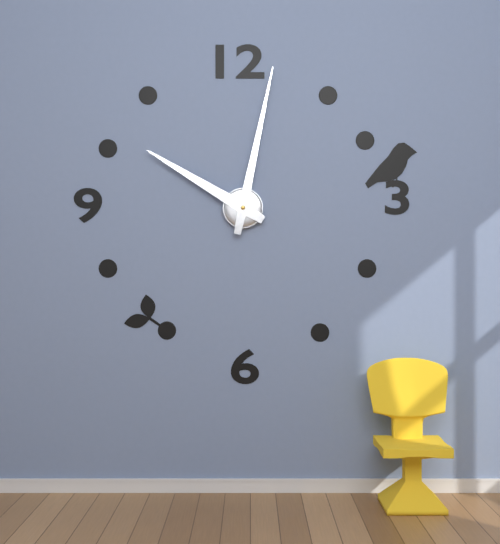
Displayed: 10 h 02 min
